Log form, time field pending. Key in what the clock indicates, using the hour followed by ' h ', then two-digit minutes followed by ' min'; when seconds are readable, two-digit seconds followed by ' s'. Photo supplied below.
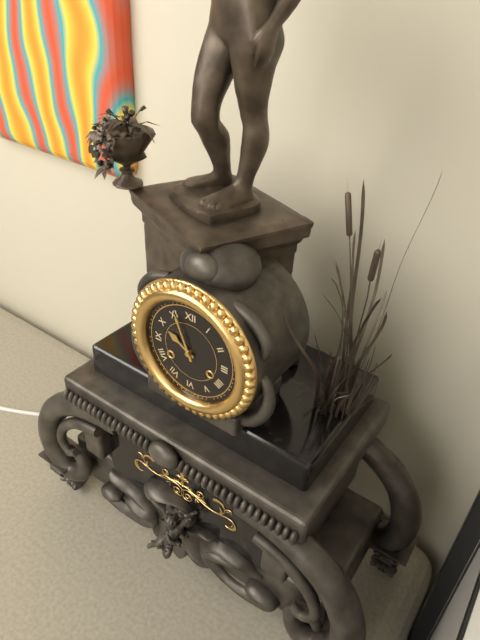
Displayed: 9 h 56 min
